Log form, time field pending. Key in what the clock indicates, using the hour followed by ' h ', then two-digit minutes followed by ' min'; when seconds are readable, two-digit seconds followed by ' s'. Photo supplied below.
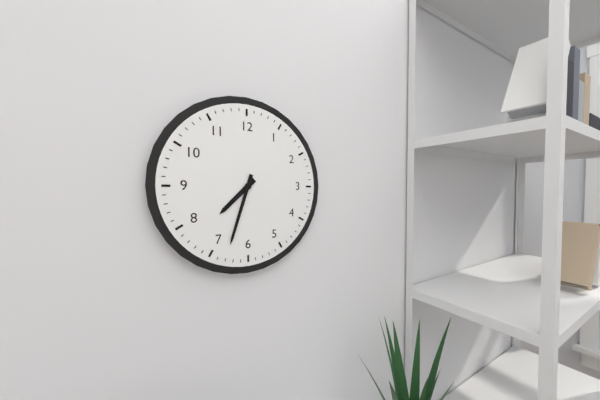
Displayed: 7 h 33 min
